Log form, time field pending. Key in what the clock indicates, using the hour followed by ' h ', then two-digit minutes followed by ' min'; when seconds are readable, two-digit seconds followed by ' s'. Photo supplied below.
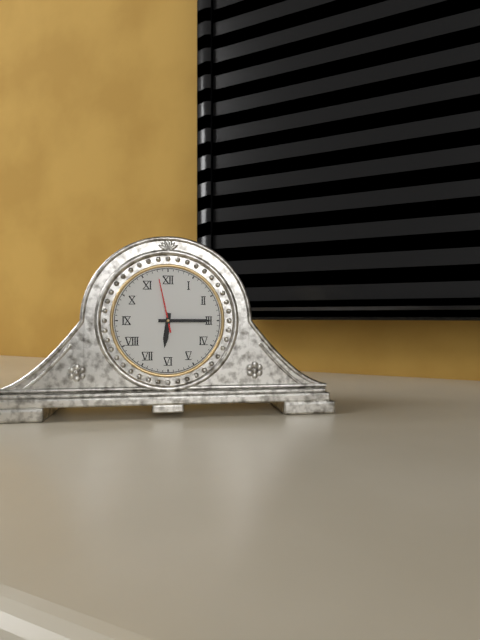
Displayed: 6 h 15 min 58 s
